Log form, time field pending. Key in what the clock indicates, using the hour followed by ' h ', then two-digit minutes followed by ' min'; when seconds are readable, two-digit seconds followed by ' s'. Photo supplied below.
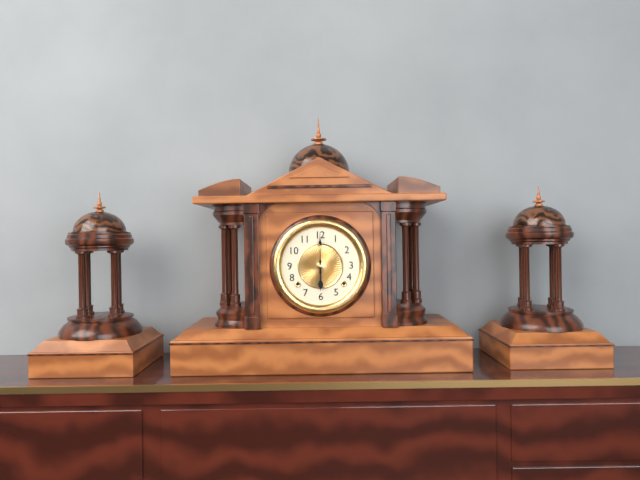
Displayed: 6 h 00 min
